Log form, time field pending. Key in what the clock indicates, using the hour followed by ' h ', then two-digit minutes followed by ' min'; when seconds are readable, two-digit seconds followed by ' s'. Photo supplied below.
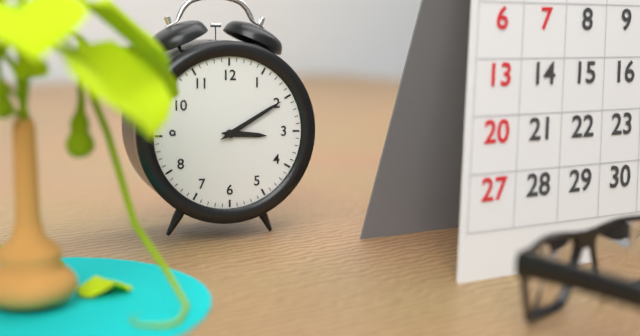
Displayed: 3 h 10 min
